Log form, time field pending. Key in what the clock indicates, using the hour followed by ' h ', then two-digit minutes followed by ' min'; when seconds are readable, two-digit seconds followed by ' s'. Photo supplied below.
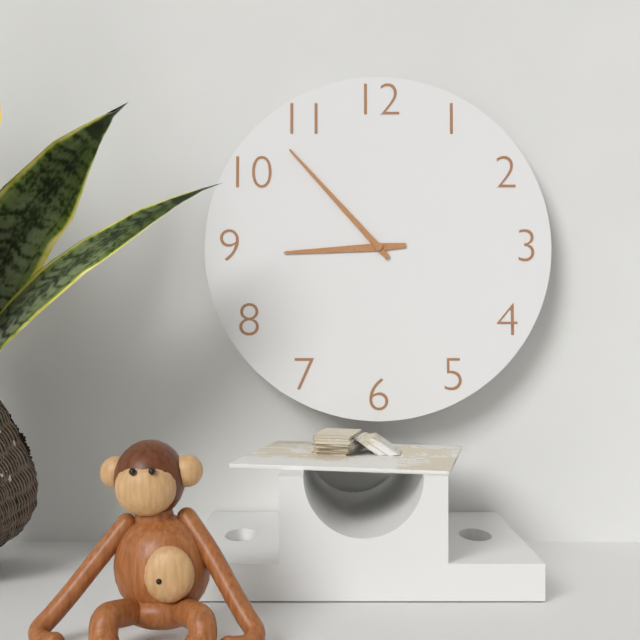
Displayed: 8 h 53 min
